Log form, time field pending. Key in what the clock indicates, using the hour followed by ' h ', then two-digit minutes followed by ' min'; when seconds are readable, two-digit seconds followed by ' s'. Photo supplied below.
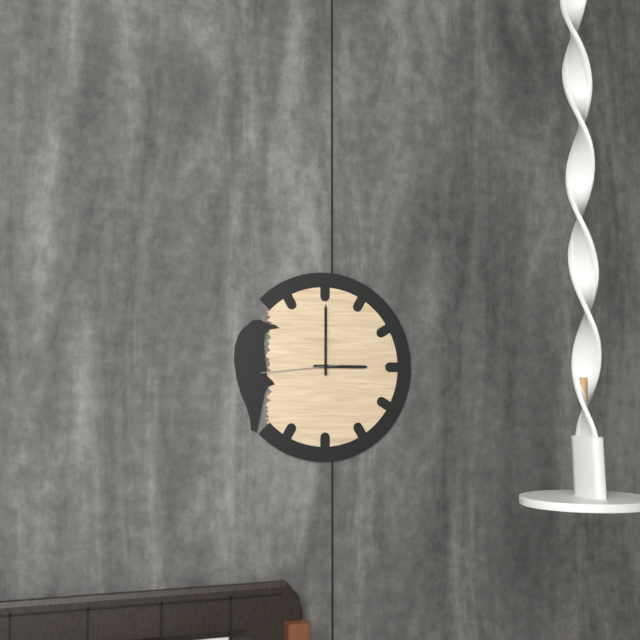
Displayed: 3 h 00 min 44 s
